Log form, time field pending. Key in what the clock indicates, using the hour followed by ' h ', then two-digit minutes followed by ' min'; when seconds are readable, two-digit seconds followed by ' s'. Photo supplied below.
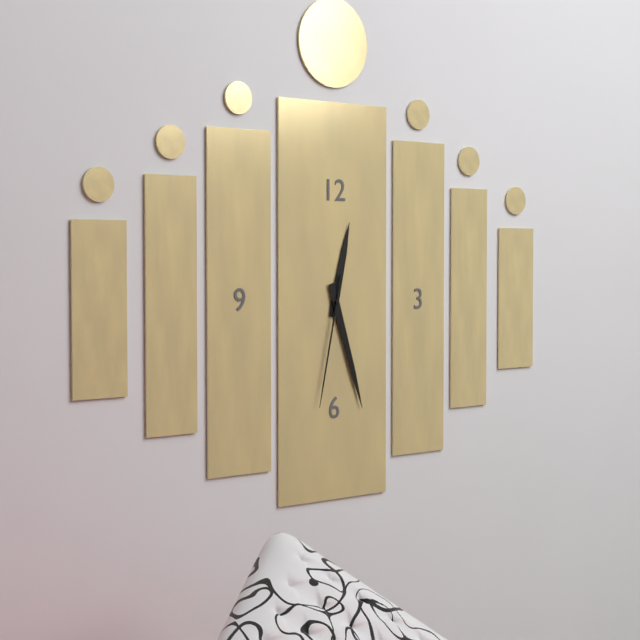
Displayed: 12 h 27 min 32 s
